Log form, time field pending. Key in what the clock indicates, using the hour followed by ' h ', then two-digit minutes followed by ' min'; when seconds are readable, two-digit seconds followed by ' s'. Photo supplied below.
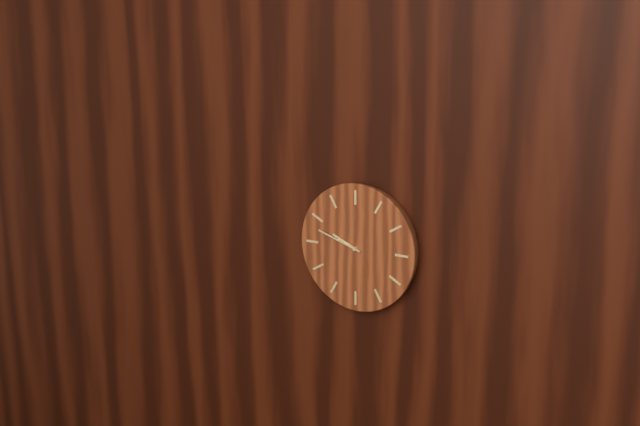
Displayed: 9 h 48 min
